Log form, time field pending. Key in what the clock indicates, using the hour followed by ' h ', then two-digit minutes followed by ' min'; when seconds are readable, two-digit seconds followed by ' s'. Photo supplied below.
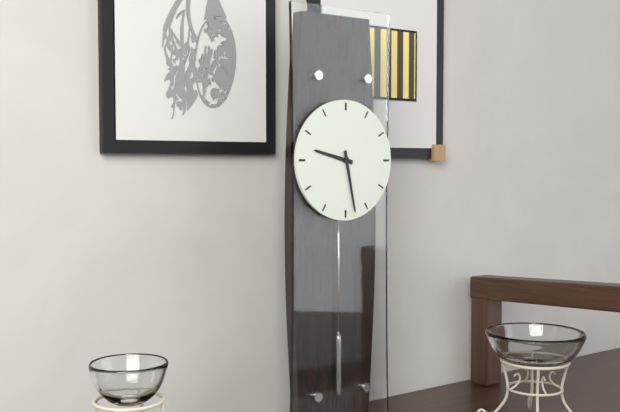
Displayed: 9 h 28 min
